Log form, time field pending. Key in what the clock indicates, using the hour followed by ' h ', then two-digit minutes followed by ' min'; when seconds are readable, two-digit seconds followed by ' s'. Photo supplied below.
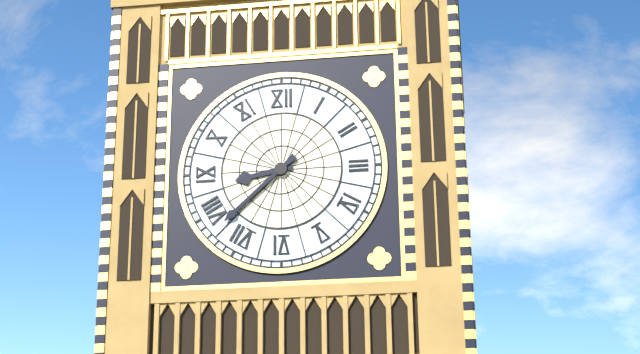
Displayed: 8 h 38 min
